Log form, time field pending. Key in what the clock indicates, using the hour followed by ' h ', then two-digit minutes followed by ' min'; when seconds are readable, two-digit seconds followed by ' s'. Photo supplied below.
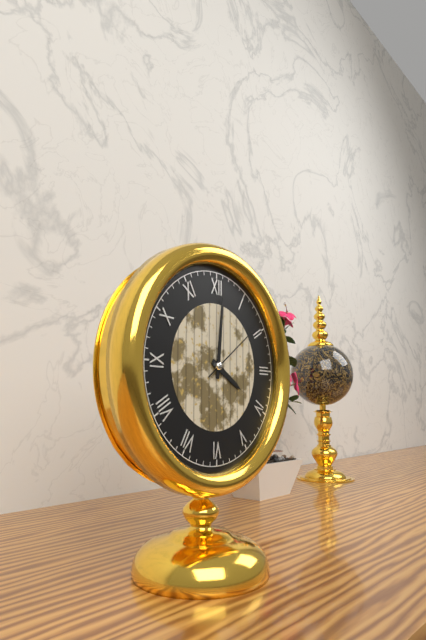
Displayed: 4 h 01 min 09 s
